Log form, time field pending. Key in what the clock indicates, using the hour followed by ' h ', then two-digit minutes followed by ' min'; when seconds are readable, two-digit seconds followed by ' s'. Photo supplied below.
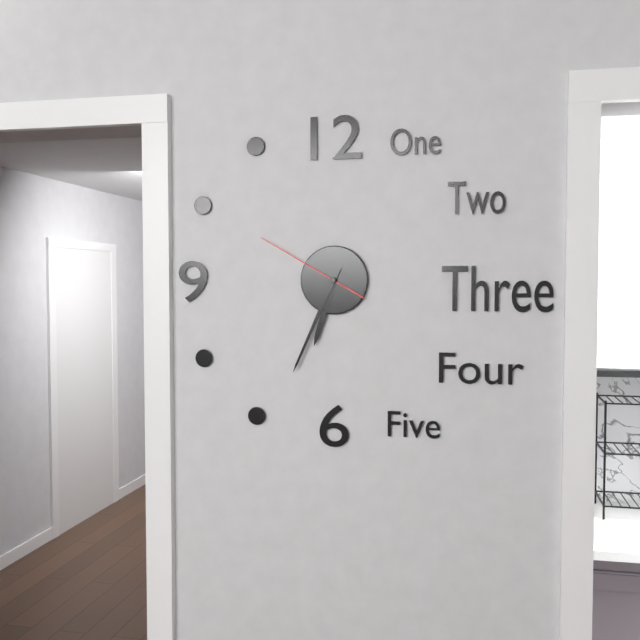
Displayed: 6 h 34 min 50 s
